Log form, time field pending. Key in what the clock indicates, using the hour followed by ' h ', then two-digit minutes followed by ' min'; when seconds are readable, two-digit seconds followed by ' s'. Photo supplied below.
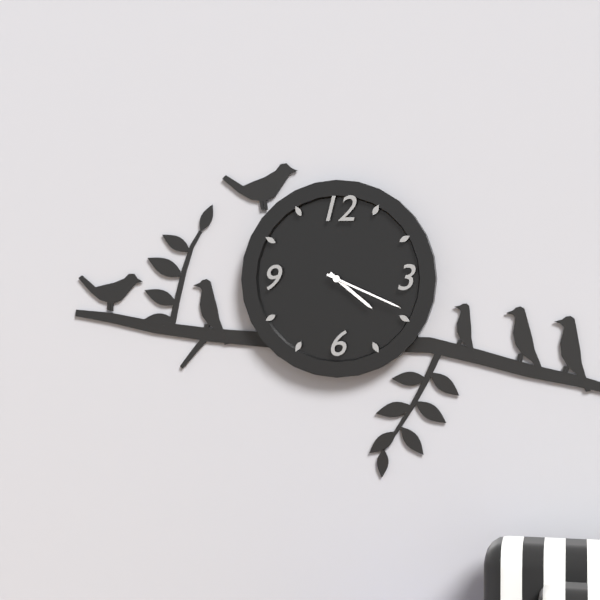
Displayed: 4 h 19 min
